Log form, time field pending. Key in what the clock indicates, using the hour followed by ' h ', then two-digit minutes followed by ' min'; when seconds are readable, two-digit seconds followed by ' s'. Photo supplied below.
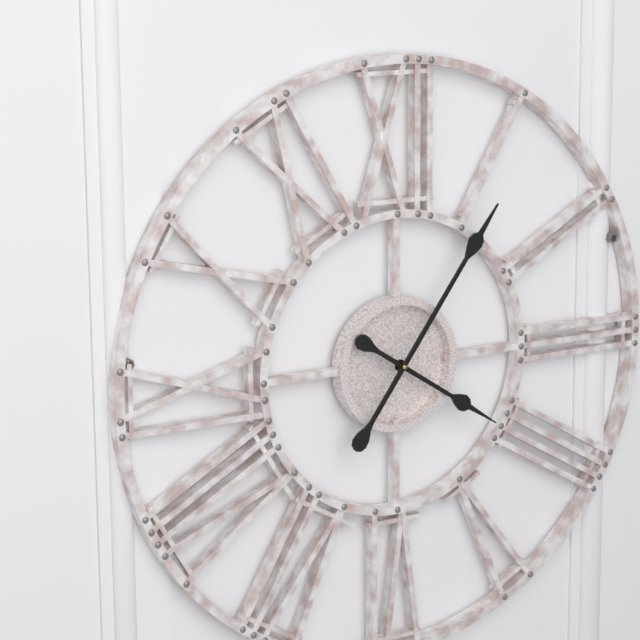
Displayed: 4 h 06 min
